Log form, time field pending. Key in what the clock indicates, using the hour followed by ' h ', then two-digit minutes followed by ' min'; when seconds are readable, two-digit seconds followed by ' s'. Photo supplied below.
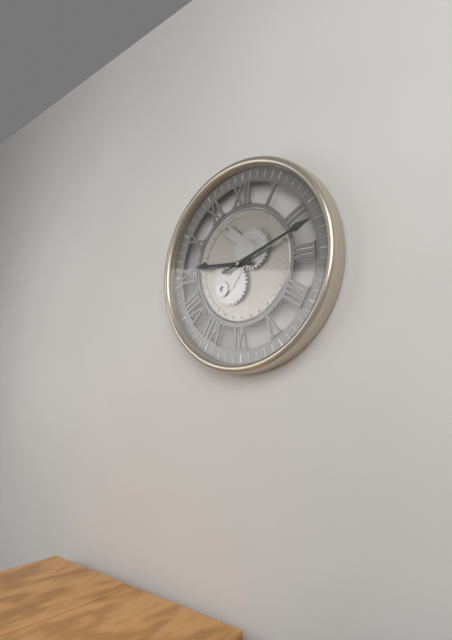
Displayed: 9 h 12 min
